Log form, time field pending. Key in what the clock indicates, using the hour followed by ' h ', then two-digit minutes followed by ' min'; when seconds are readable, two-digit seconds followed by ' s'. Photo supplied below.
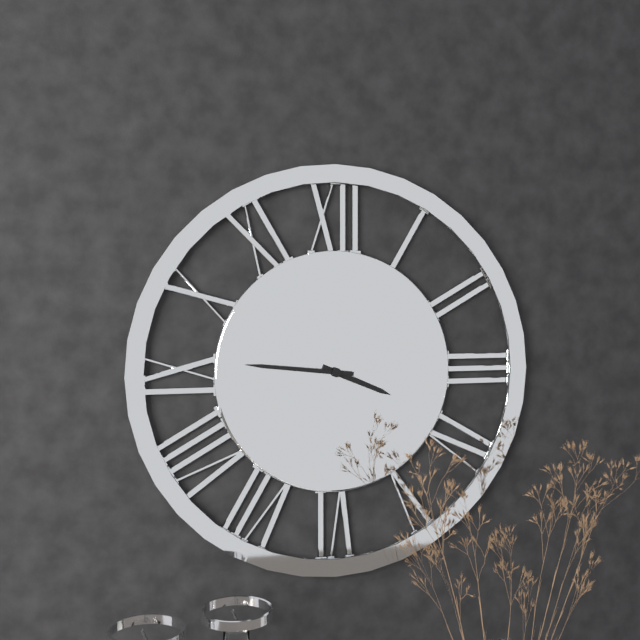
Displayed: 3 h 46 min
